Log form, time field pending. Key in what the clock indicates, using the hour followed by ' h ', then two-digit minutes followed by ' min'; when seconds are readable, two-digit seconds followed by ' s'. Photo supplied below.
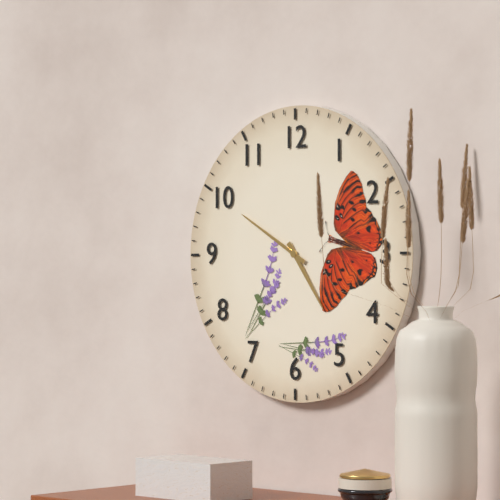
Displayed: 4 h 50 min
